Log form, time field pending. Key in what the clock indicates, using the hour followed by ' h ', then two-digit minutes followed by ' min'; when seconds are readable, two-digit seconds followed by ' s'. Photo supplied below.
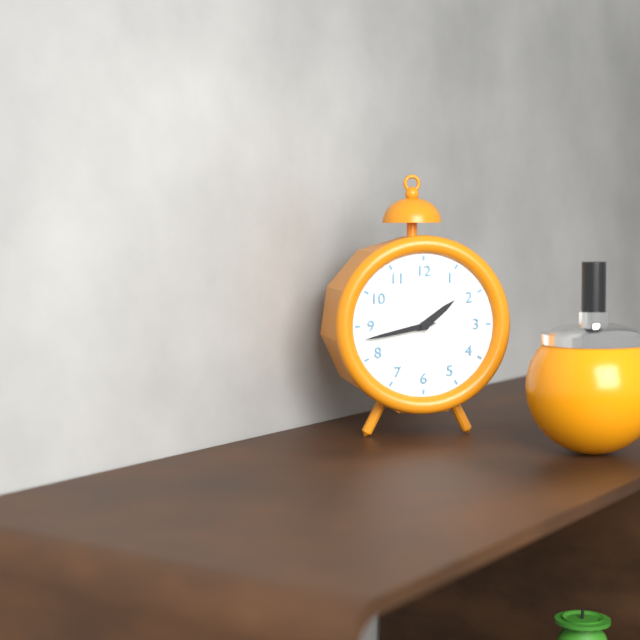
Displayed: 1 h 43 min
